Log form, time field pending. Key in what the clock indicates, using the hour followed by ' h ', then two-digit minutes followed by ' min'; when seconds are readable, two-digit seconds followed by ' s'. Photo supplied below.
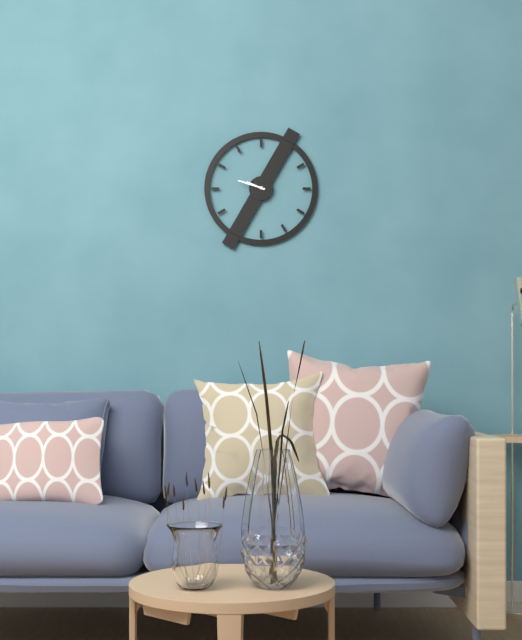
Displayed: 9 h 48 min
